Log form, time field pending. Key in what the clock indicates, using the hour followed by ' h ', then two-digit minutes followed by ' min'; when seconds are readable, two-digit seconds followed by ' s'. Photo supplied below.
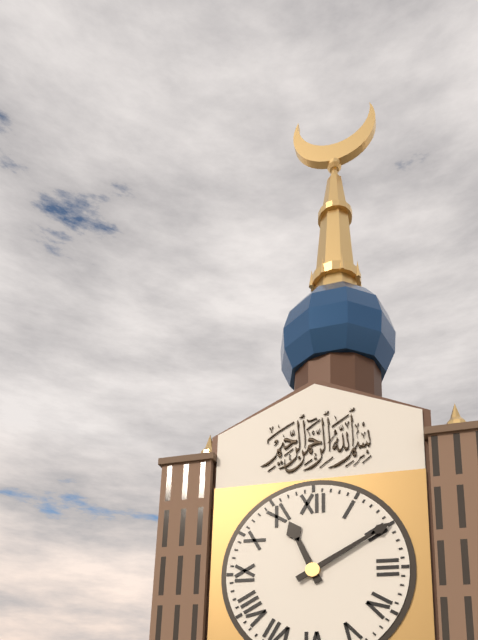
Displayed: 11 h 10 min
